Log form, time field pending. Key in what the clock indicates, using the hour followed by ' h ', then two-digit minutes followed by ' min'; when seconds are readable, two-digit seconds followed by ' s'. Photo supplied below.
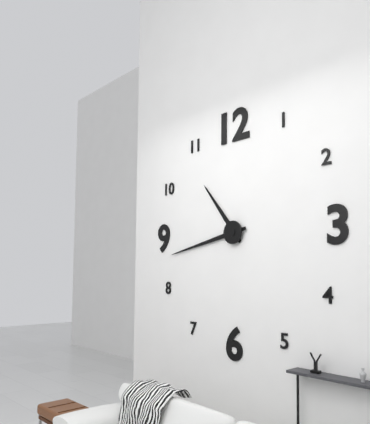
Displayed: 10 h 43 min
